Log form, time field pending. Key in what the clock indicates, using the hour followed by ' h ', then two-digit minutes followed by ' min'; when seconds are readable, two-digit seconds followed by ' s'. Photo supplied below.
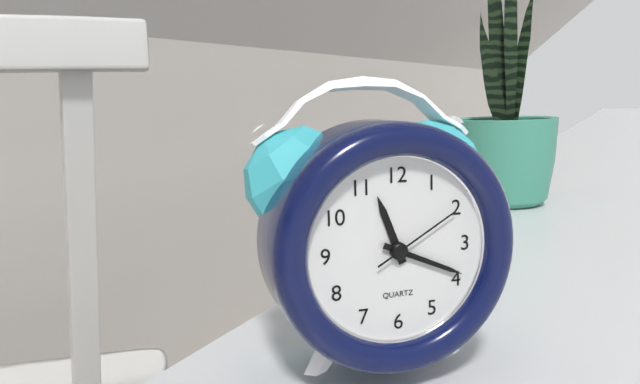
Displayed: 11 h 19 min 10 s
